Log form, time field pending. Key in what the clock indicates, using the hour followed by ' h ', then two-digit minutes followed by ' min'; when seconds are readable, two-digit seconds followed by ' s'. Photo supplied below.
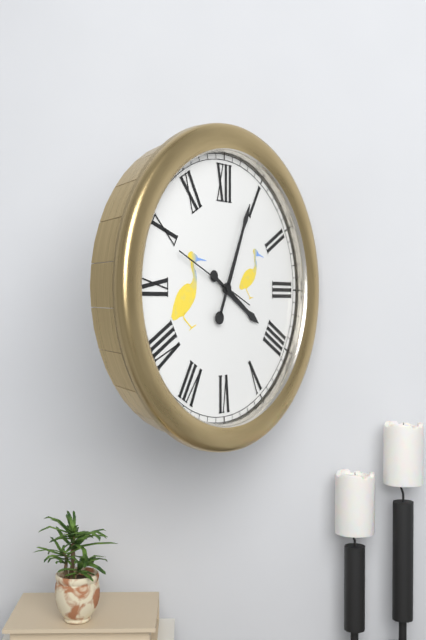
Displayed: 4 h 04 min 49 s
